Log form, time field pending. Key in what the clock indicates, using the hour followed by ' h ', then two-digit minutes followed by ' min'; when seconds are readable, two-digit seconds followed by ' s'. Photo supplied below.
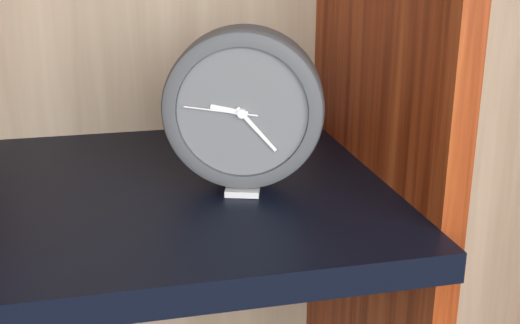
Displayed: 9 h 23 min 46 s
